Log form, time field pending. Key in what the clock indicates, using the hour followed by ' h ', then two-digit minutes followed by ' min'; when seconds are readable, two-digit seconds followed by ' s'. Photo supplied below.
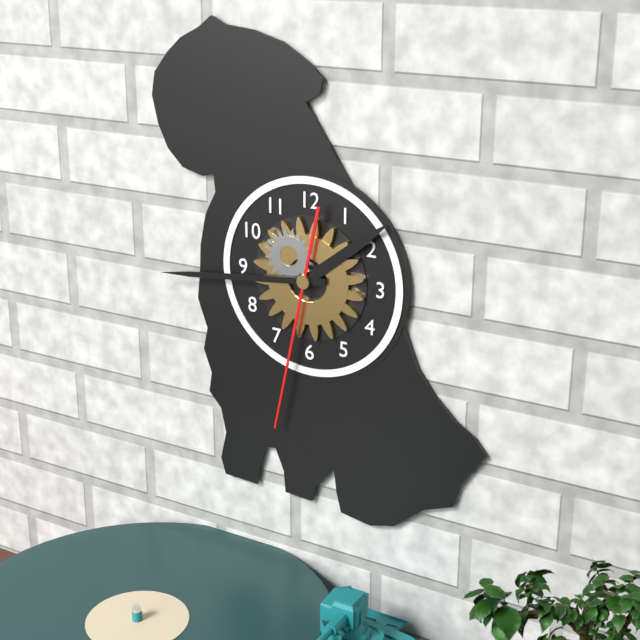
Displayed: 1 h 44 min 32 s
